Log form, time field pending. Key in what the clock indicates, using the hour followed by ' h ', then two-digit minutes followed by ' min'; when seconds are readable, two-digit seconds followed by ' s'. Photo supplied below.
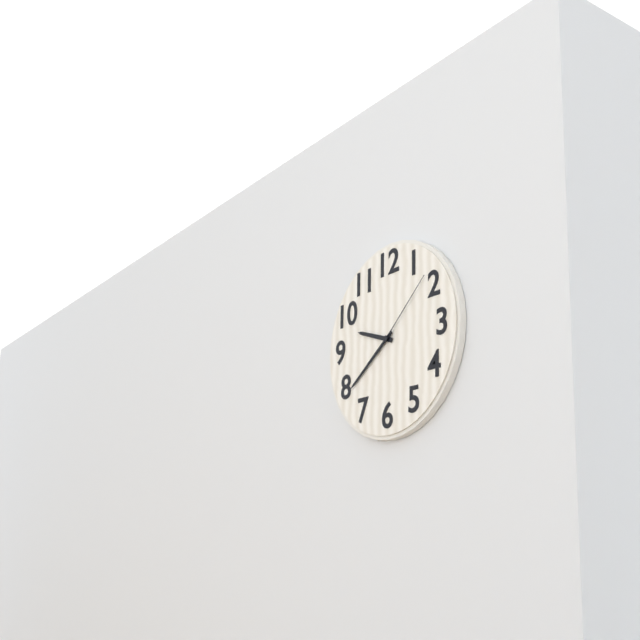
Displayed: 9 h 39 min 08 s
